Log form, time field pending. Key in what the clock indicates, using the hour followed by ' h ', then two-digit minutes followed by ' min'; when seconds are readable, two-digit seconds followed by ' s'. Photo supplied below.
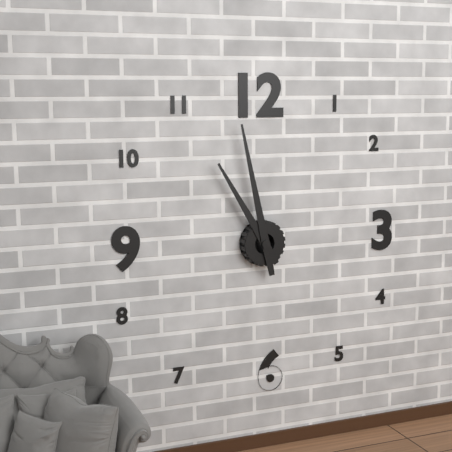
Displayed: 10 h 58 min
